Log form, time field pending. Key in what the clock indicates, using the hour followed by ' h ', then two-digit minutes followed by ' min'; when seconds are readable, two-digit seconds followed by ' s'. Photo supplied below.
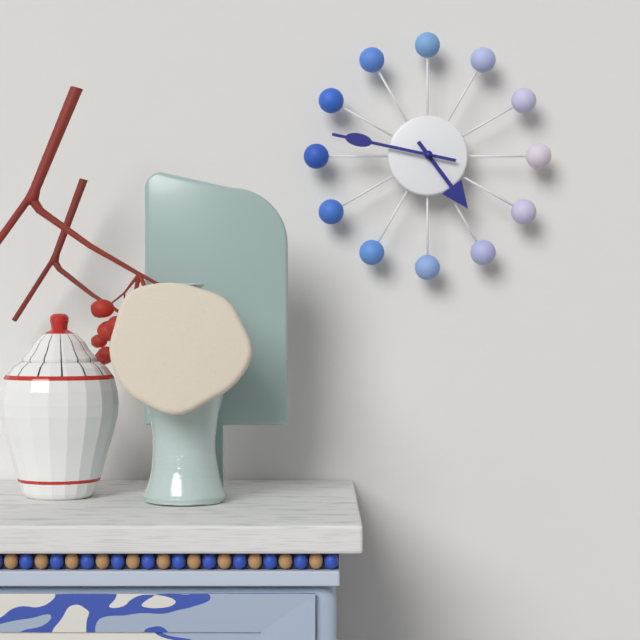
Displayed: 4 h 47 min
